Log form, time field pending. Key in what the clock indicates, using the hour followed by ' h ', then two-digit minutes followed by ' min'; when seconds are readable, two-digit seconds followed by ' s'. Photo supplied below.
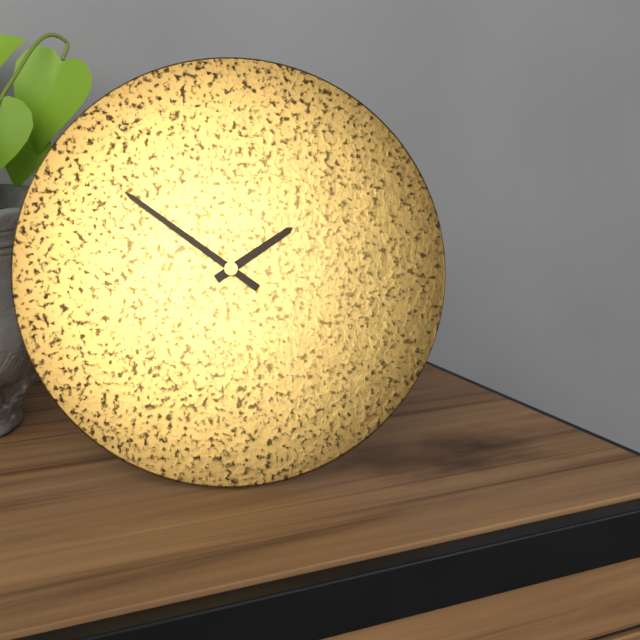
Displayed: 1 h 51 min
